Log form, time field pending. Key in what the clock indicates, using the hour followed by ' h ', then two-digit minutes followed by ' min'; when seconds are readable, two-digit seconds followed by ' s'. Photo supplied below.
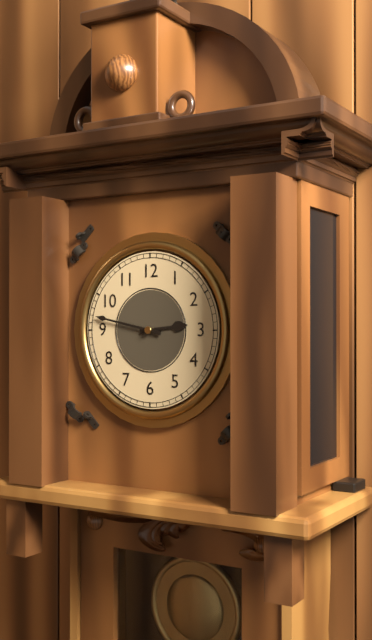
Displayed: 2 h 47 min
